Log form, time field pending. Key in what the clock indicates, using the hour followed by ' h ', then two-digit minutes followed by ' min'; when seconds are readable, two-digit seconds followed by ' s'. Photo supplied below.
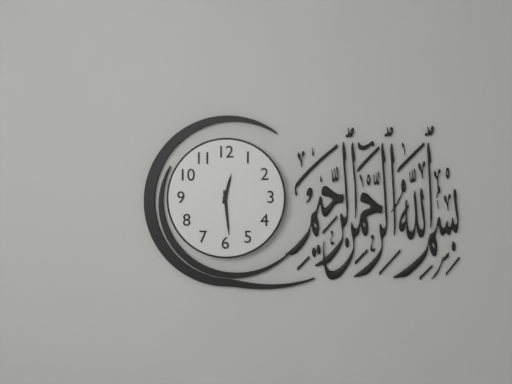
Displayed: 12 h 29 min
